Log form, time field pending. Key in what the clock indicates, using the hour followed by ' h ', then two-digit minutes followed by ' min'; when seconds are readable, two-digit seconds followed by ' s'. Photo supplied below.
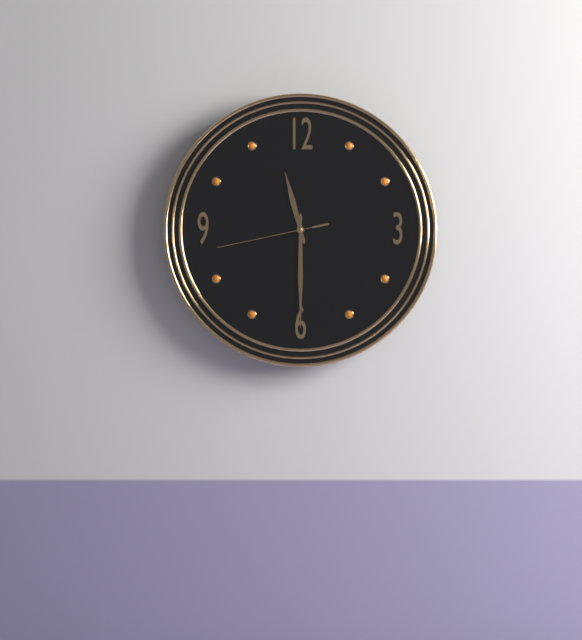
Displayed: 11 h 30 min 43 s
